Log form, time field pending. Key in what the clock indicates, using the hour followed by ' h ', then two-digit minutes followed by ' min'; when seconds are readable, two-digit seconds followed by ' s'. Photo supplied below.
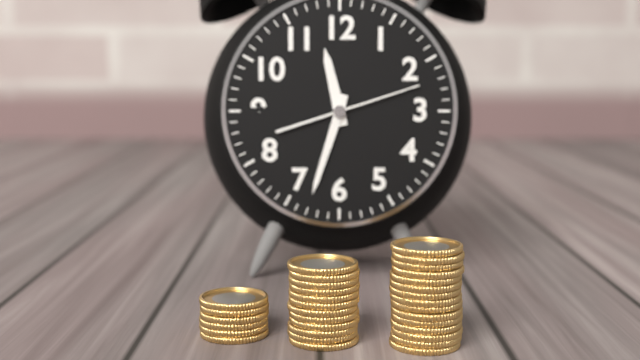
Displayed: 11 h 33 min 12 s
